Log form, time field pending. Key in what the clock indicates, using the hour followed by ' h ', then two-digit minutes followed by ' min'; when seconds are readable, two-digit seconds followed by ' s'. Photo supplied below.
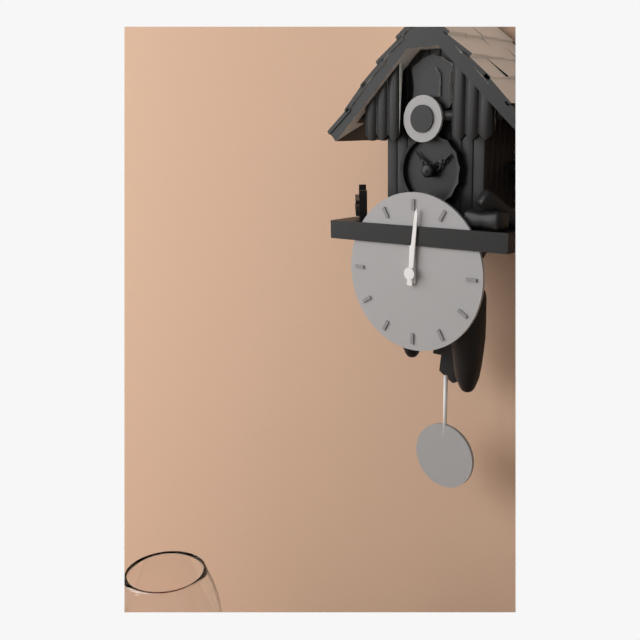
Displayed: 12 h 01 min
